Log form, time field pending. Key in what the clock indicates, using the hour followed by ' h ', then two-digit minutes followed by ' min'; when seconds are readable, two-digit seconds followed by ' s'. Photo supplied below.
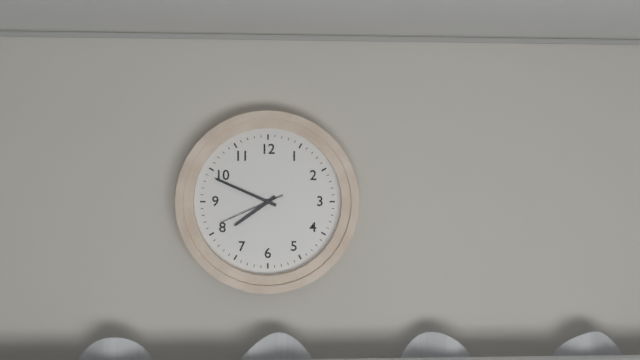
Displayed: 7 h 49 min 41 s
